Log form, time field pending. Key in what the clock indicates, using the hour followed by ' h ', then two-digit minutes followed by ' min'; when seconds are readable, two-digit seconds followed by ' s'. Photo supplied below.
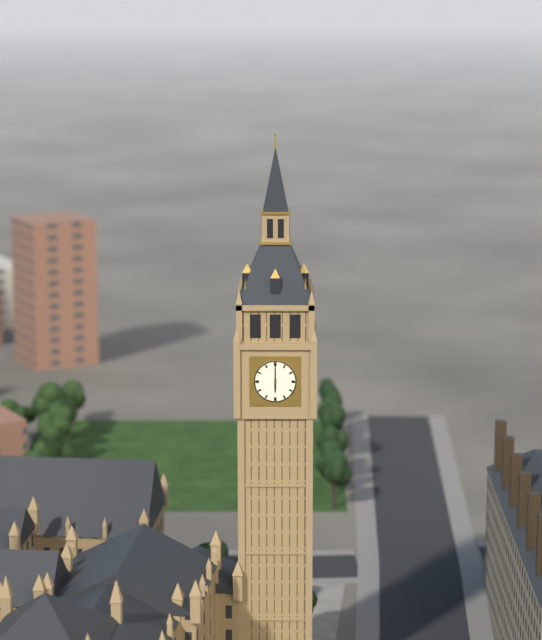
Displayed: 6 h 00 min
